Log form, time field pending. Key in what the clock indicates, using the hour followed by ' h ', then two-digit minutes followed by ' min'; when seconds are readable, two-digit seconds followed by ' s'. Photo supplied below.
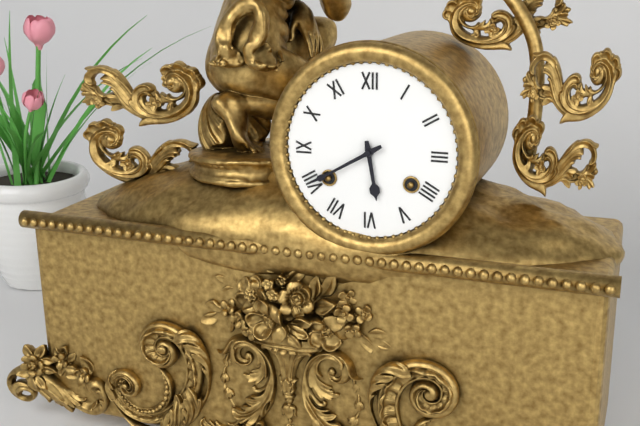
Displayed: 5 h 40 min
